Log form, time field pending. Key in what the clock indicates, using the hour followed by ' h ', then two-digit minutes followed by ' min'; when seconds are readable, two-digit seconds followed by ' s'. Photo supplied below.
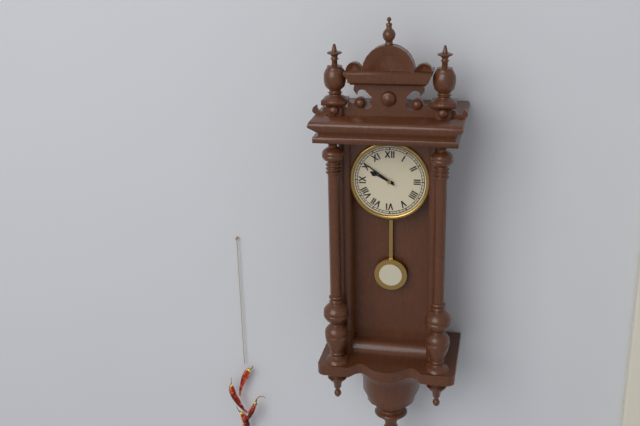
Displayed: 9 h 51 min
